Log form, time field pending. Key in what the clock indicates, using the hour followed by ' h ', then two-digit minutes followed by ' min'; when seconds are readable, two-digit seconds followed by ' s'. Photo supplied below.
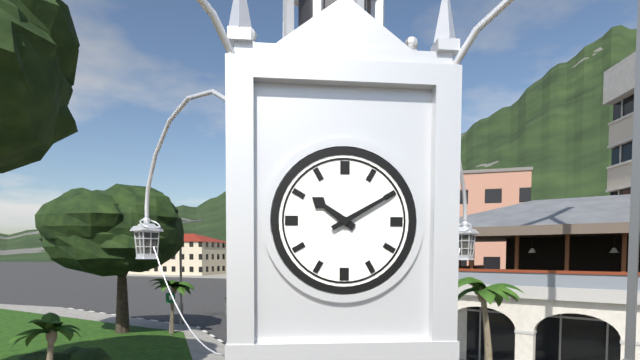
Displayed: 10 h 10 min
